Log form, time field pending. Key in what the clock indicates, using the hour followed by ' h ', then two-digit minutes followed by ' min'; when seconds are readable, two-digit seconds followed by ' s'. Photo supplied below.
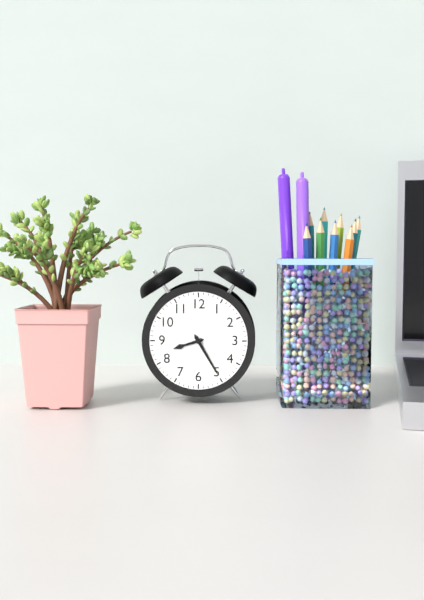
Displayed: 8 h 25 min
